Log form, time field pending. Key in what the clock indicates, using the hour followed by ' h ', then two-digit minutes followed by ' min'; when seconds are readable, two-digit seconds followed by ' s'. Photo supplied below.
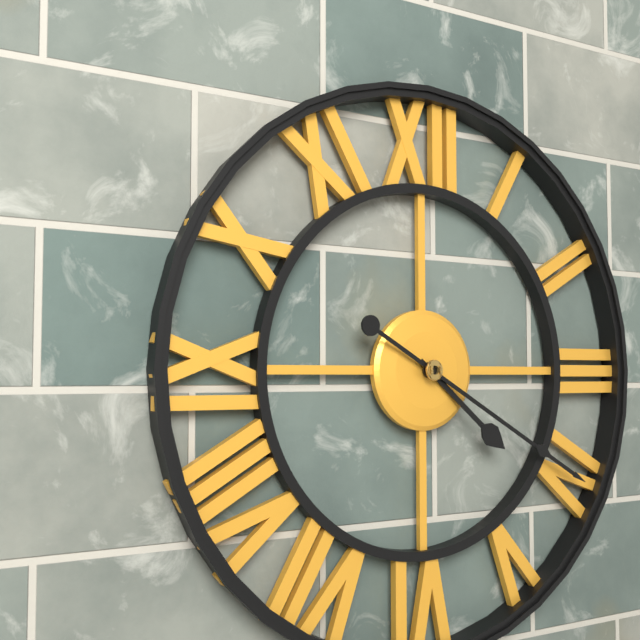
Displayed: 4 h 20 min
